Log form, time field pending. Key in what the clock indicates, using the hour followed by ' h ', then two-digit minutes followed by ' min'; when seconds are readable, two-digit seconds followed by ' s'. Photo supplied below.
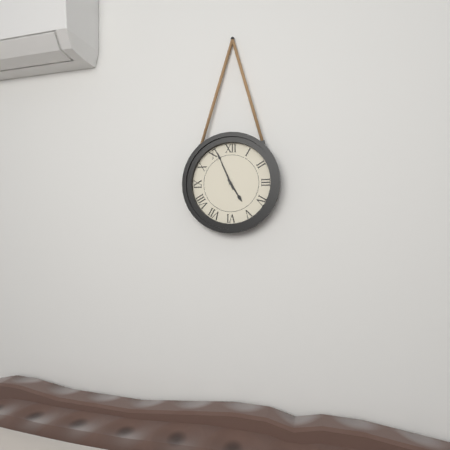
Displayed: 4 h 56 min
